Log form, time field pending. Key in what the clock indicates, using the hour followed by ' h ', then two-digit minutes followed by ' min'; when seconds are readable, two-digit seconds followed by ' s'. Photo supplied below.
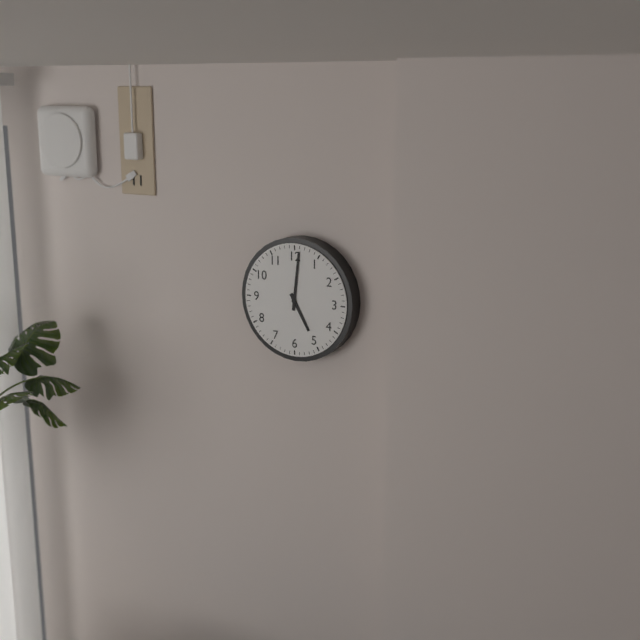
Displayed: 5 h 01 min
